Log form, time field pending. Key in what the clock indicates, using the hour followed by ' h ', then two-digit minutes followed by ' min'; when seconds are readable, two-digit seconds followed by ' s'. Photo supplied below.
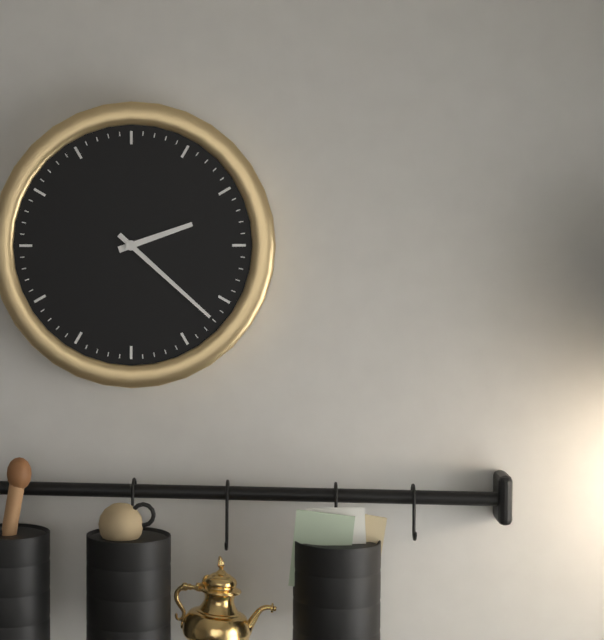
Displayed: 2 h 22 min
